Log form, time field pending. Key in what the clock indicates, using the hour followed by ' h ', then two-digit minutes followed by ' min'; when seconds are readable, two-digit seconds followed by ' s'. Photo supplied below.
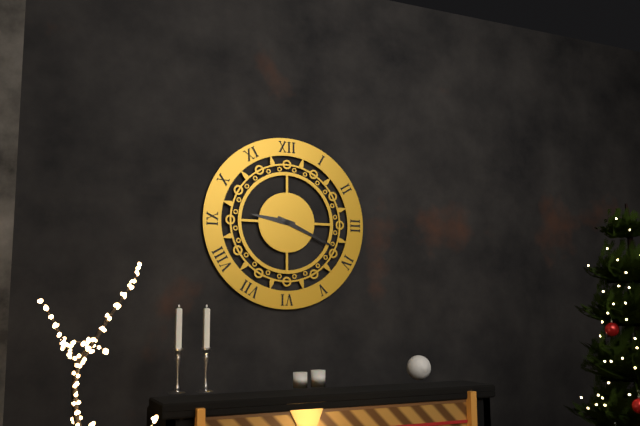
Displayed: 9 h 19 min
